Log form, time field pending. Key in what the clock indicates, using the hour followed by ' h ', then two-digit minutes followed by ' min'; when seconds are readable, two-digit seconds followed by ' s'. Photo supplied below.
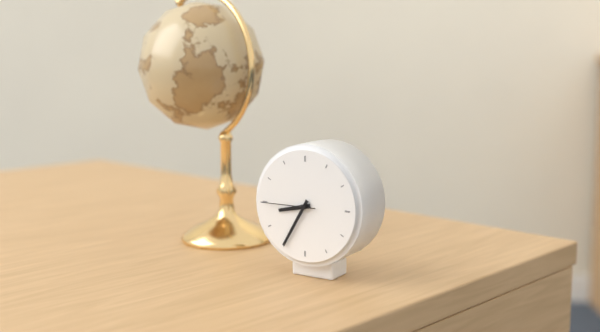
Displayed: 8 h 35 min 45 s
